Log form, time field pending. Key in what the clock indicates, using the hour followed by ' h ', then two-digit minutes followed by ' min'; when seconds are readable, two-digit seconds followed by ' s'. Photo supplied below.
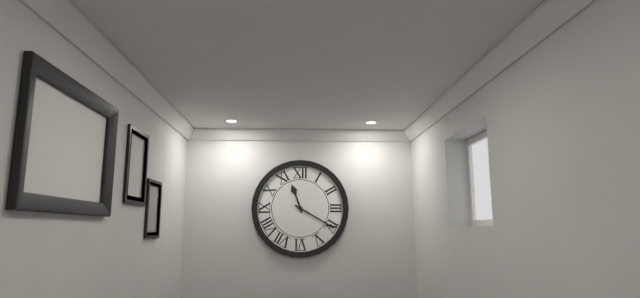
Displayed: 11 h 20 min
